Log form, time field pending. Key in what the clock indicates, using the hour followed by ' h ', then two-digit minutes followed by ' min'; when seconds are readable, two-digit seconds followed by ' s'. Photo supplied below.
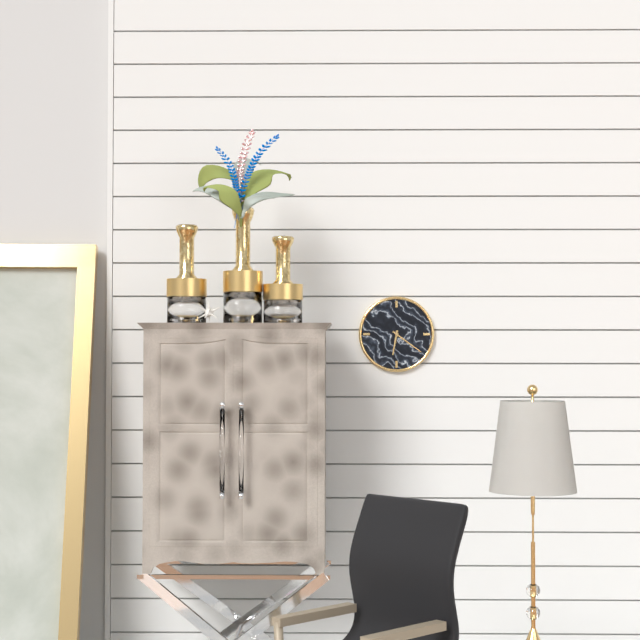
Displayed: 6 h 21 min
